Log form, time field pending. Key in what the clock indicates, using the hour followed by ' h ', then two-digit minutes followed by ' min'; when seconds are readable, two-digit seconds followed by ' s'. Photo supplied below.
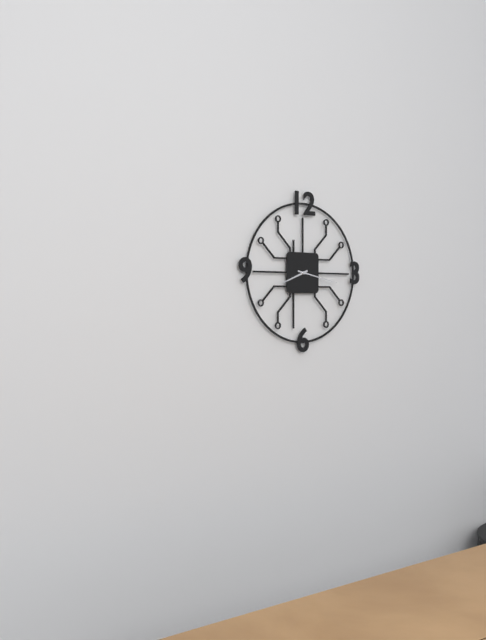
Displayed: 8 h 17 min
